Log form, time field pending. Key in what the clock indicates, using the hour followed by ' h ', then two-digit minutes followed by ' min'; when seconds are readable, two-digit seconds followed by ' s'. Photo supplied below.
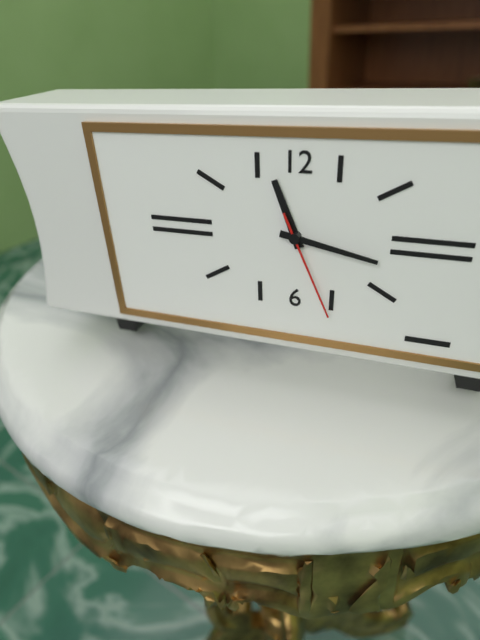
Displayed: 11 h 17 min 26 s
